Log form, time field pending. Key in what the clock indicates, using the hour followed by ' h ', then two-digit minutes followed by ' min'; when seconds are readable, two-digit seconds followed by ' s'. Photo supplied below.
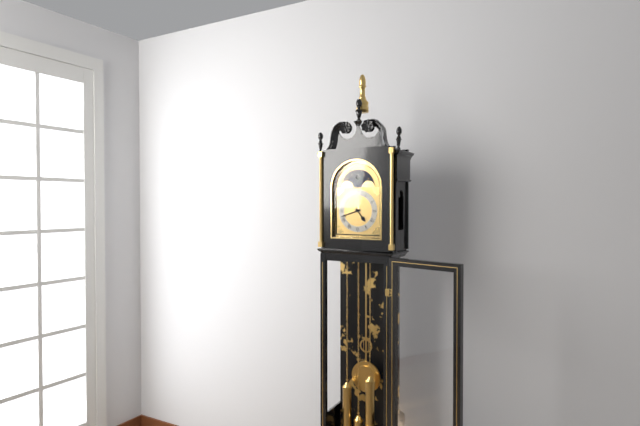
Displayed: 4 h 42 min
